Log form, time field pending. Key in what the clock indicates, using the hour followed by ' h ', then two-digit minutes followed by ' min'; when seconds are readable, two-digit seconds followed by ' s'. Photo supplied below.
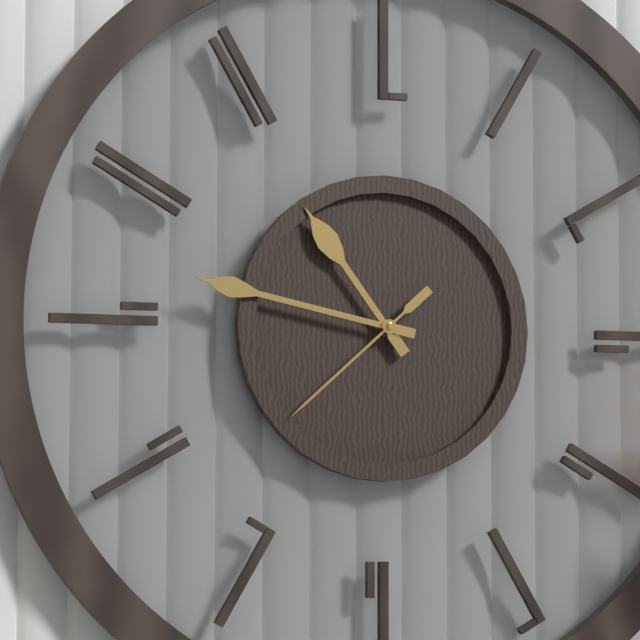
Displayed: 10 h 47 min 38 s
